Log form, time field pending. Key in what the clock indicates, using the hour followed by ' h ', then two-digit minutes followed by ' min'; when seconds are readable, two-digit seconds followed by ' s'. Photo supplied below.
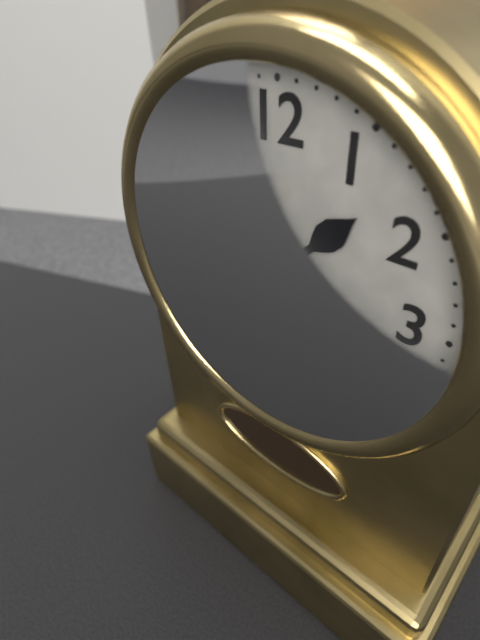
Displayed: 1 h 30 min
